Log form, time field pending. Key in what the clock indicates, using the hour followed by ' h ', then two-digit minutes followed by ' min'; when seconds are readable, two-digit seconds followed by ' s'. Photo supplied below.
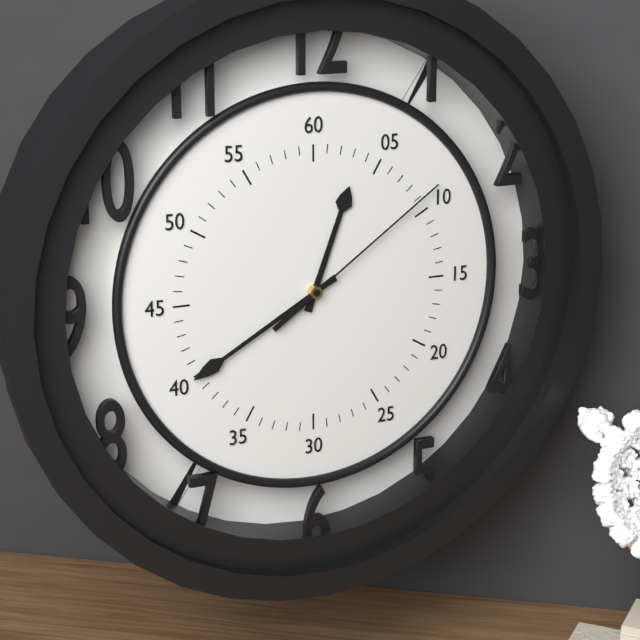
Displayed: 12 h 40 min 09 s
